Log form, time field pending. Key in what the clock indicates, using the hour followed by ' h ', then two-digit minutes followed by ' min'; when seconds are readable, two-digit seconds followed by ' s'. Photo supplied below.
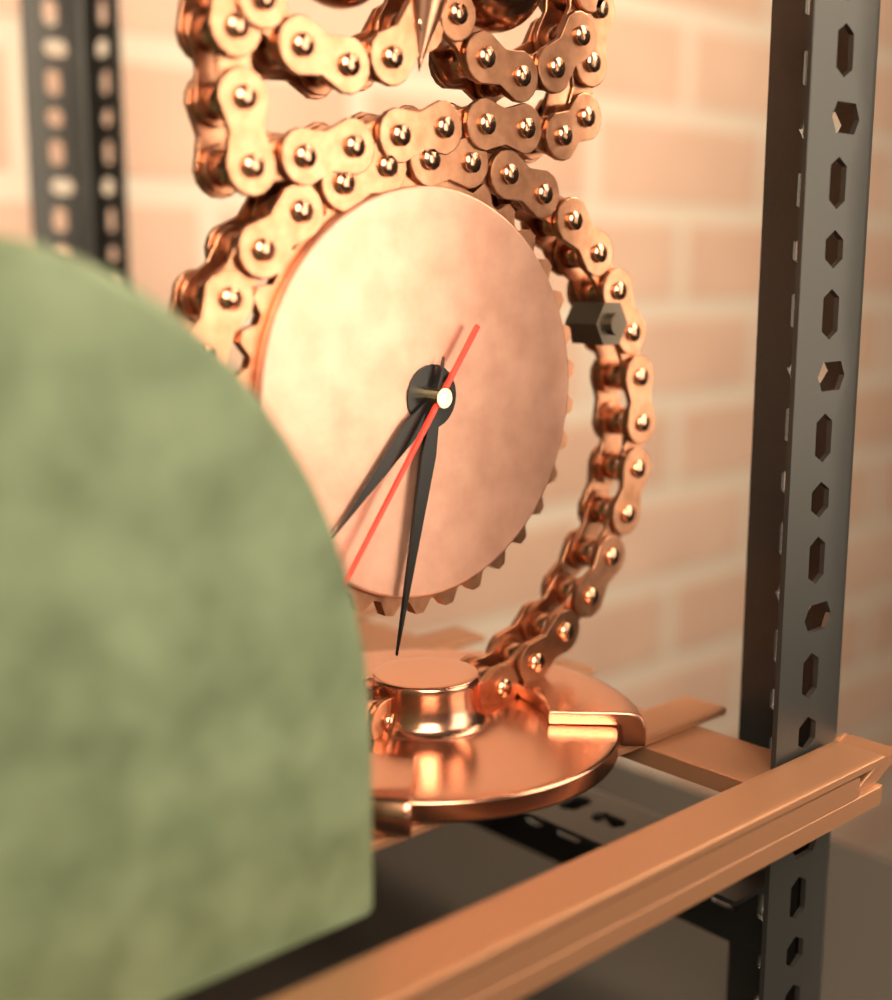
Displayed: 7 h 32 min 36 s
